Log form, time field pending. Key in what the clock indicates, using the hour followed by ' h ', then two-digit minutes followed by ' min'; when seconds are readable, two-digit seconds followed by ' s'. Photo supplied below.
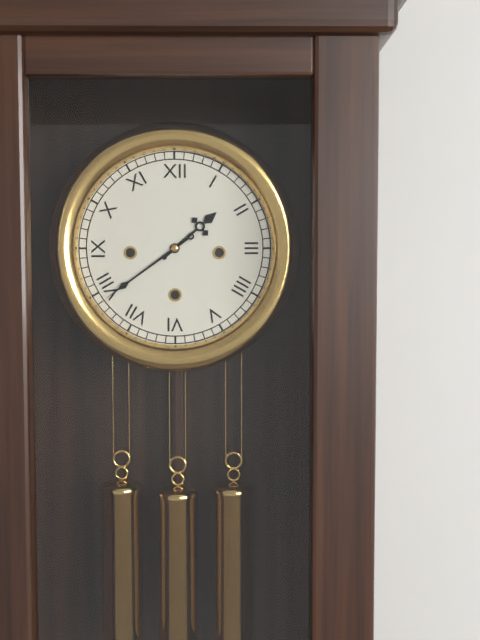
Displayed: 1 h 39 min
